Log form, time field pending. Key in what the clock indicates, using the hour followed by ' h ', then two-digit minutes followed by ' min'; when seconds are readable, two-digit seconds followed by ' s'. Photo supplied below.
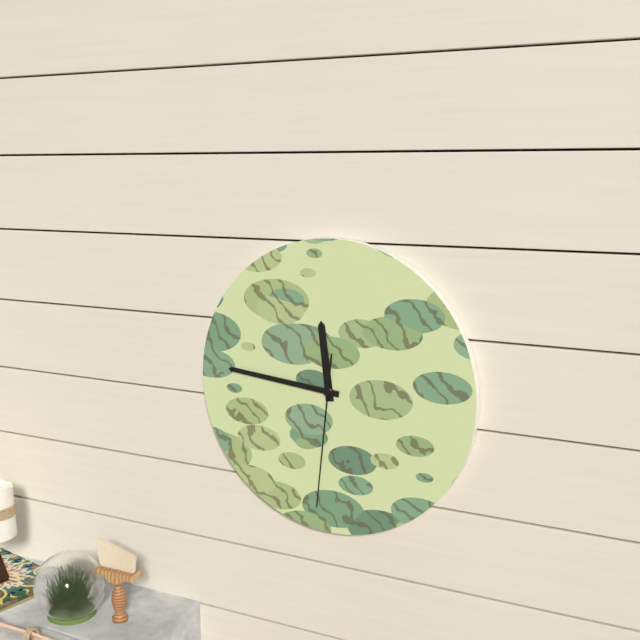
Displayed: 11 h 46 min 31 s
